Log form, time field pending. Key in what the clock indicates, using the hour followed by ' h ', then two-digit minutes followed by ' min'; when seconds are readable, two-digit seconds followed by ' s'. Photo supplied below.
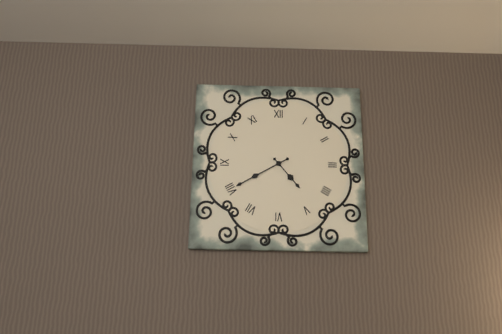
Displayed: 4 h 40 min
